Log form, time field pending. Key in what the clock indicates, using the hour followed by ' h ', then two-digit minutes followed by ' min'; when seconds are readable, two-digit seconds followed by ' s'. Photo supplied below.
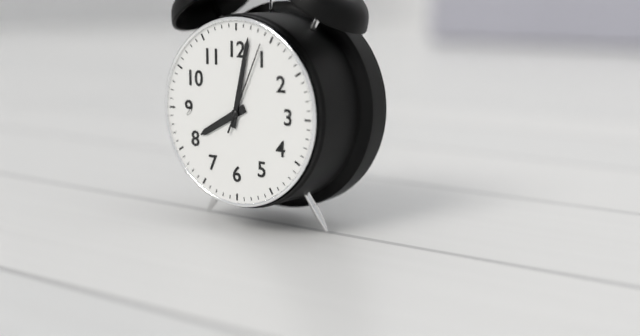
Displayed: 8 h 02 min 04 s
